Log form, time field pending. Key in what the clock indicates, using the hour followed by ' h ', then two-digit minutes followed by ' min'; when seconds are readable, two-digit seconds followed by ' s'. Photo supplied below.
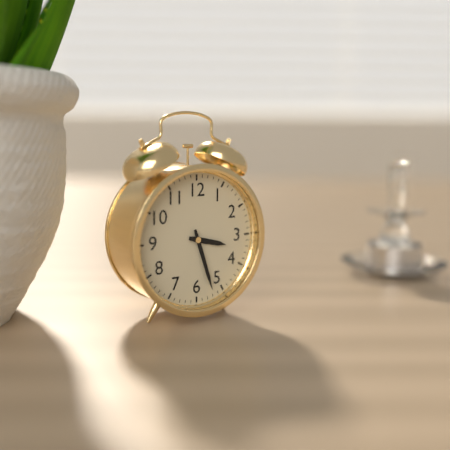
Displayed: 3 h 27 min
